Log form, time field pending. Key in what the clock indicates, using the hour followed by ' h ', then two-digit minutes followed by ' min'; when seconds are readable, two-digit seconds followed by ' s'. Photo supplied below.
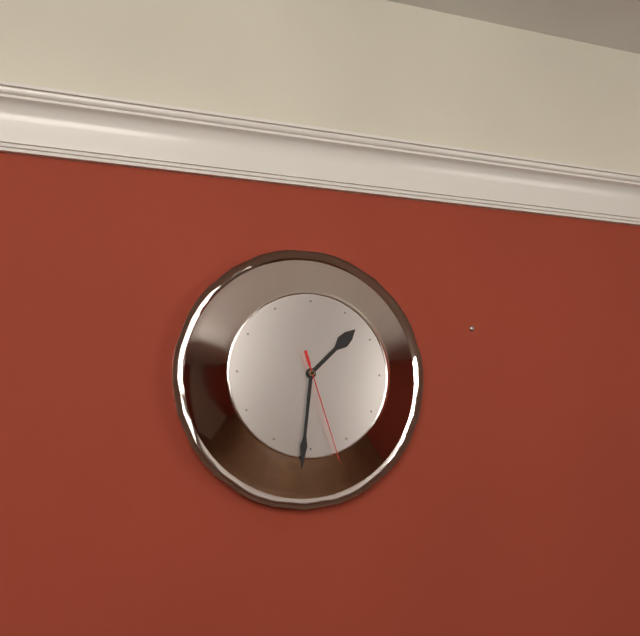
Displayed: 1 h 31 min 27 s
